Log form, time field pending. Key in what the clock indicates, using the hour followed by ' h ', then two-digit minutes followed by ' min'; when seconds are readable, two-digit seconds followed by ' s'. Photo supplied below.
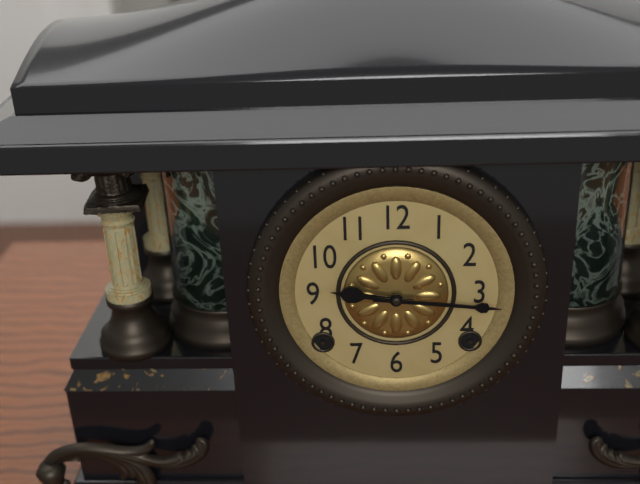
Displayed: 9 h 16 min
